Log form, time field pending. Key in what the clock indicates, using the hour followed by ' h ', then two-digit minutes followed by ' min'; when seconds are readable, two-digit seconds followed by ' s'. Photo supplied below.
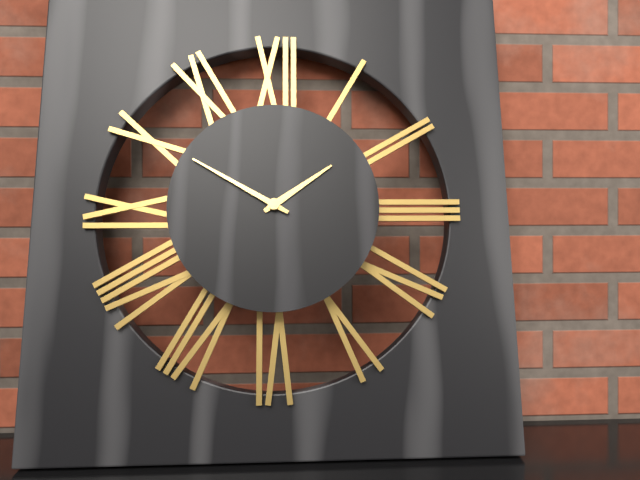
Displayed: 1 h 50 min
